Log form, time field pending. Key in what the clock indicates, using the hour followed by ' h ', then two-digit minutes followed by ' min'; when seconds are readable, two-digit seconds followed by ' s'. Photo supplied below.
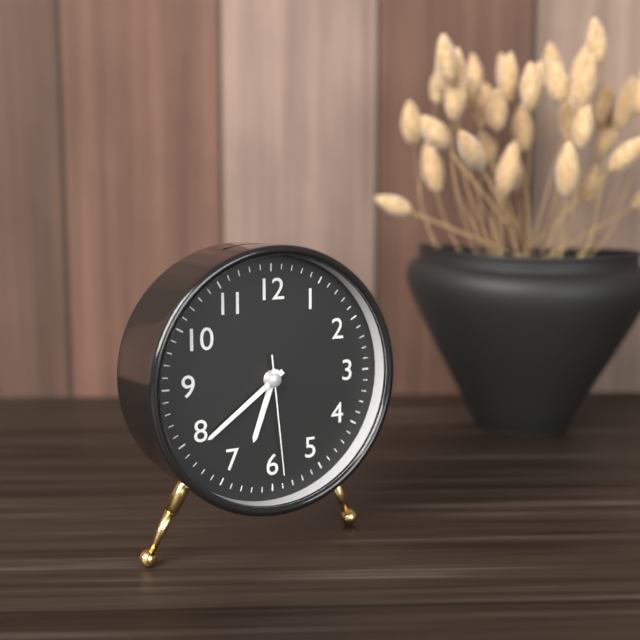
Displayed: 6 h 39 min 29 s
